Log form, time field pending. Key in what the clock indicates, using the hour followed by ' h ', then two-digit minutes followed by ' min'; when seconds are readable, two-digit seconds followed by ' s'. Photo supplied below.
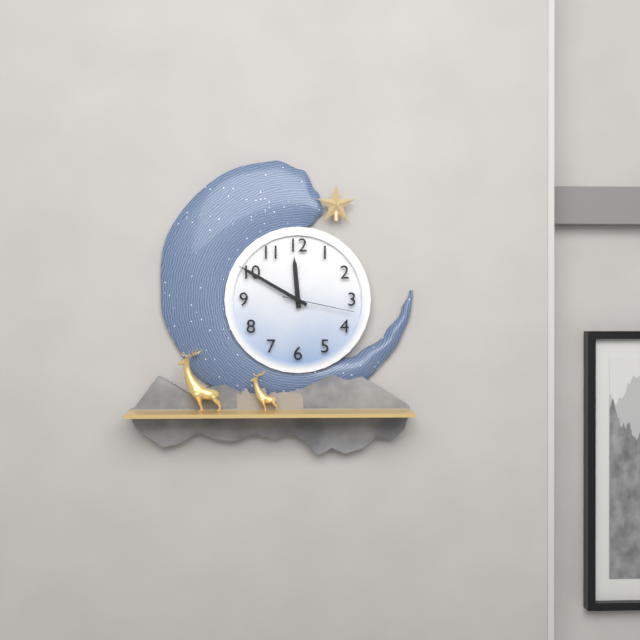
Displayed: 11 h 50 min 17 s
